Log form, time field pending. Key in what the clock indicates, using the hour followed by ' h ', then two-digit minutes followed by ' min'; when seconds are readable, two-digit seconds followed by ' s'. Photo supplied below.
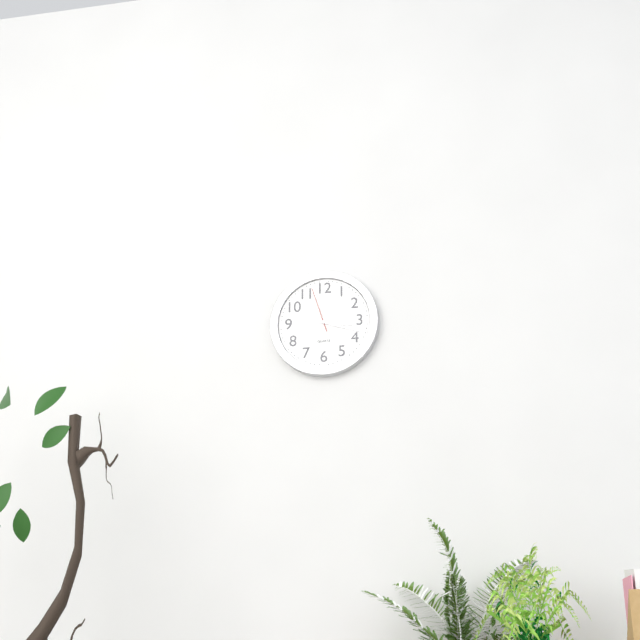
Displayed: 3 h 18 min
